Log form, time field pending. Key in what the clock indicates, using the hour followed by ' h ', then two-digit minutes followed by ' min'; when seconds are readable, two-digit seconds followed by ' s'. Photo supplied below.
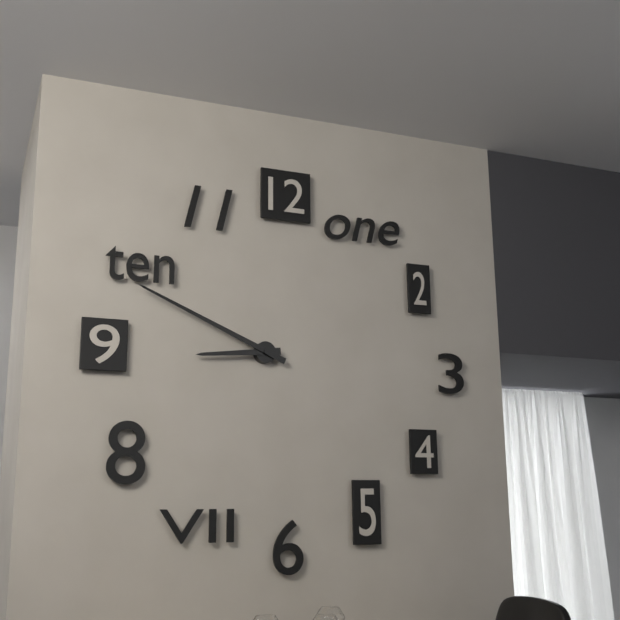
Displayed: 8 h 49 min
